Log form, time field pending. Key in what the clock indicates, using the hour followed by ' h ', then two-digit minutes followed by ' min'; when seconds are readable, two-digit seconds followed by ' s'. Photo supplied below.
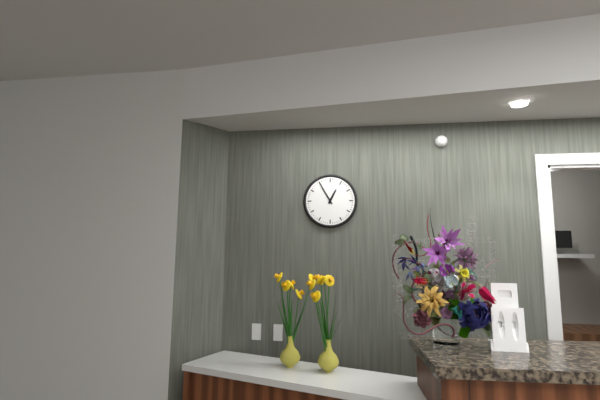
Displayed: 12 h 55 min
